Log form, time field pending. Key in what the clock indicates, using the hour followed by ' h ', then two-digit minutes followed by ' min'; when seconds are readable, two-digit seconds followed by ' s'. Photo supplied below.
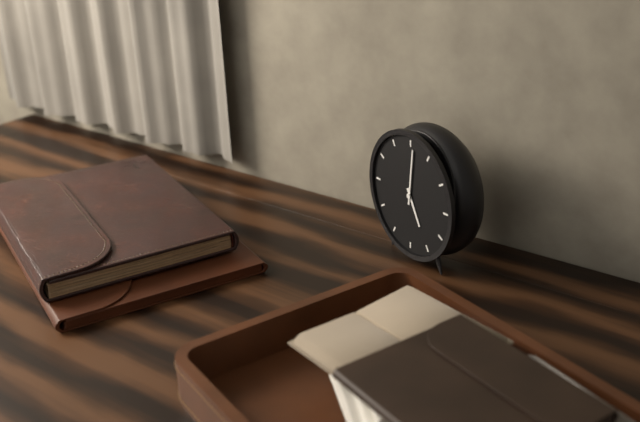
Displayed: 5 h 01 min
